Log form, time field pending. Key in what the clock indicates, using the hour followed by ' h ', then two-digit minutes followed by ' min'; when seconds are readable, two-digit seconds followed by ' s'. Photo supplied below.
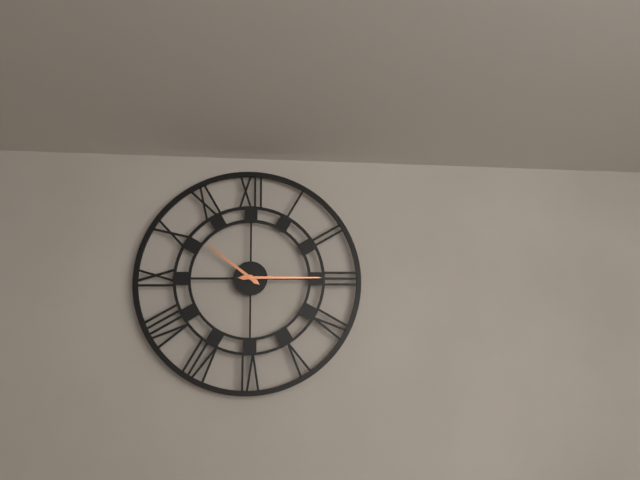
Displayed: 10 h 15 min
